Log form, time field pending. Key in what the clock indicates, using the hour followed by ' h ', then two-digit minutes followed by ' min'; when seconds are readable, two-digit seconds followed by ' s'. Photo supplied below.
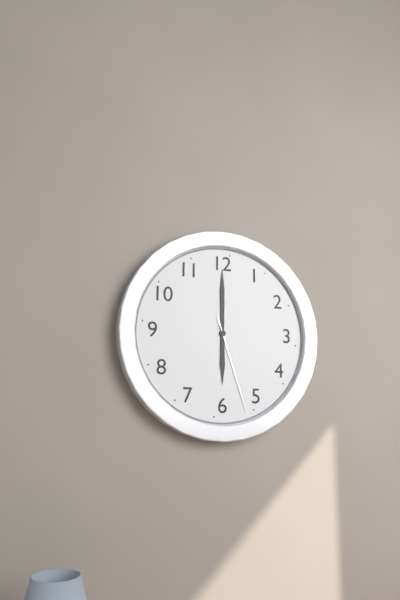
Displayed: 6 h 00 min 27 s
